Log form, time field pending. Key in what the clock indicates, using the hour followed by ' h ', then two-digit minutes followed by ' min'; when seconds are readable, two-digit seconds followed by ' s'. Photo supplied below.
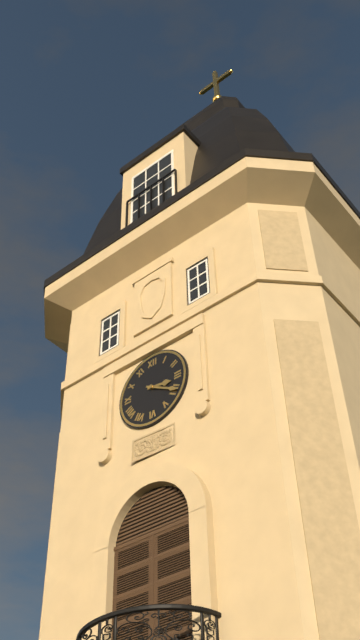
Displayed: 3 h 20 min
